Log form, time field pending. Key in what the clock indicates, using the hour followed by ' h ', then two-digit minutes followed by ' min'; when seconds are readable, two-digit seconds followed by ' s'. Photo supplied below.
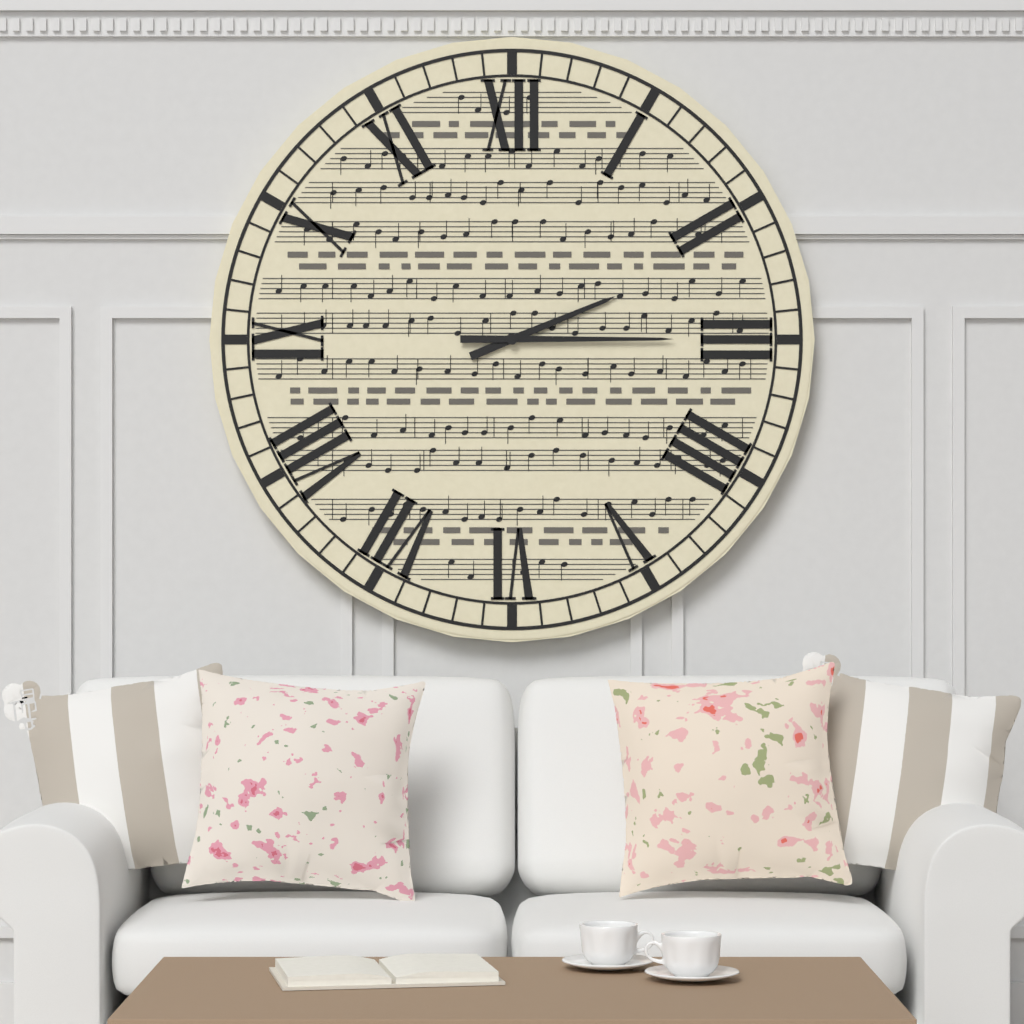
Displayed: 2 h 15 min
